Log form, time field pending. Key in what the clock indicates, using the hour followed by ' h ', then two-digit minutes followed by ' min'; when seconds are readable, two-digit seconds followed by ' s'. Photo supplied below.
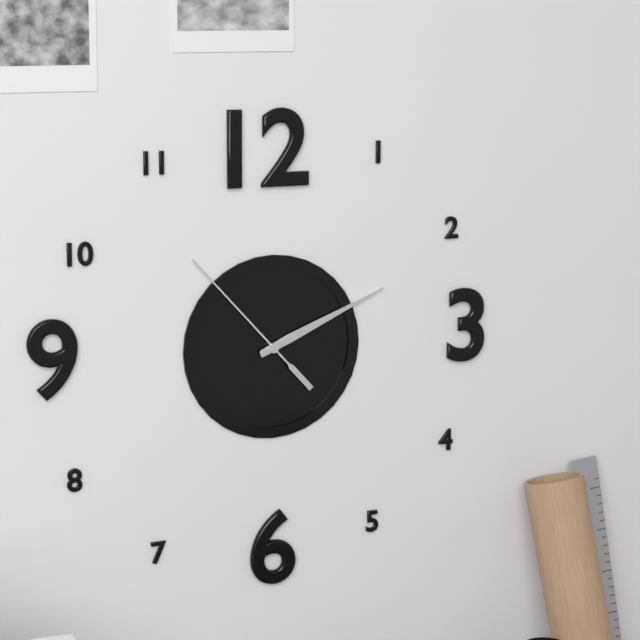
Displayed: 2 h 11 min 53 s
